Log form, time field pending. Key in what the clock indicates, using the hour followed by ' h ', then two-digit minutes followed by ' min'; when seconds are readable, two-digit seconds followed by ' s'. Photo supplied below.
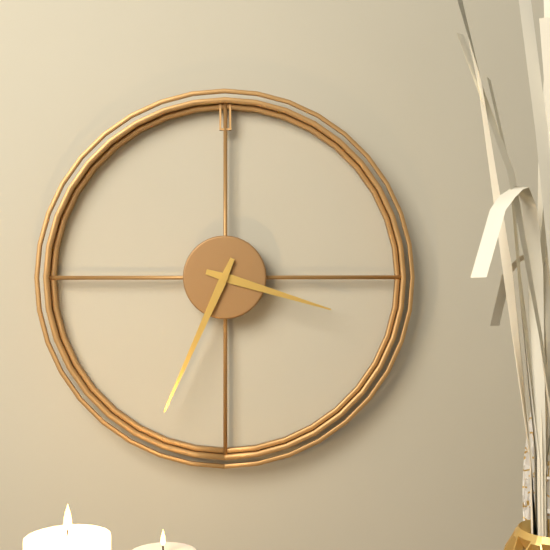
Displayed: 3 h 34 min
